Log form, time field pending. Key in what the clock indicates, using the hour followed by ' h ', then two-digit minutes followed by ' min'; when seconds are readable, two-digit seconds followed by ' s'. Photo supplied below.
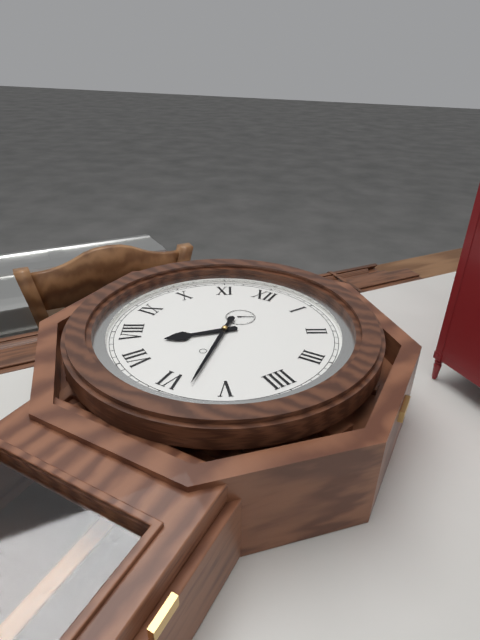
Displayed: 7 h 28 min
